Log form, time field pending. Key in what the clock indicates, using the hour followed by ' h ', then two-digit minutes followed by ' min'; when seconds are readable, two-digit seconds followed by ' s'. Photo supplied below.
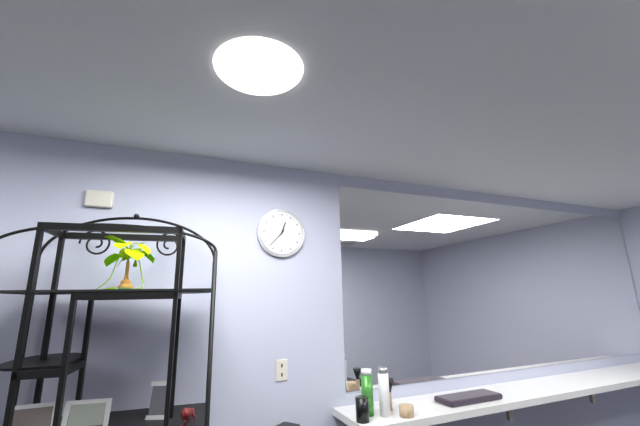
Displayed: 12 h 37 min
